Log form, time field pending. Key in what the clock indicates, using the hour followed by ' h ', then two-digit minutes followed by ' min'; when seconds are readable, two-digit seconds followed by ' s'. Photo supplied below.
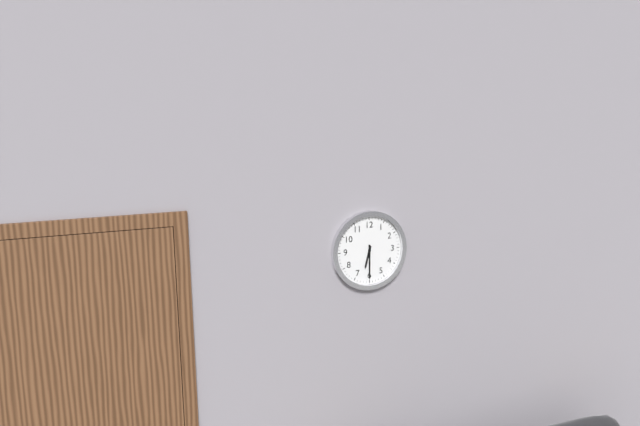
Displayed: 6 h 30 min
